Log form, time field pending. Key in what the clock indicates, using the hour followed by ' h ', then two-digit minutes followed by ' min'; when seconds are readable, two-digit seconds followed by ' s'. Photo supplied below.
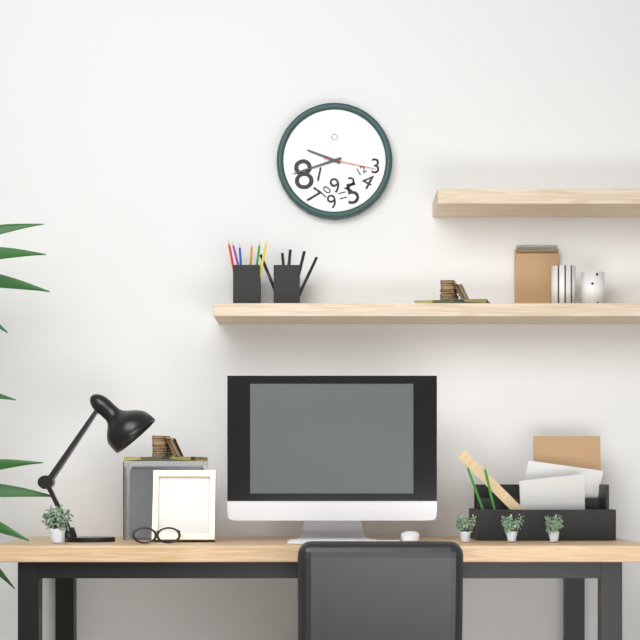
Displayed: 9 h 42 min 17 s
